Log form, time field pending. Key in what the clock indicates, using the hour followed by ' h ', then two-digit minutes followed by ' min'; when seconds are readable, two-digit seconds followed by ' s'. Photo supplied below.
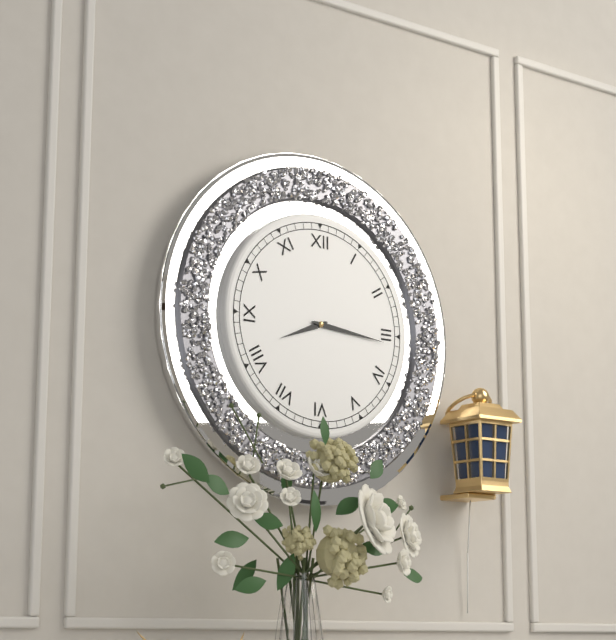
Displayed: 8 h 16 min
